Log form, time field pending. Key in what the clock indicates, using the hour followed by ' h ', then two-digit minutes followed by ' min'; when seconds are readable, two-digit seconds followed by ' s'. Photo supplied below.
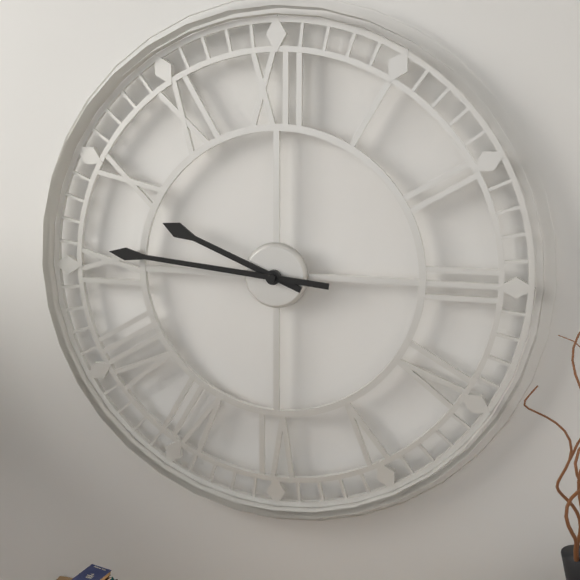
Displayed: 9 h 46 min
